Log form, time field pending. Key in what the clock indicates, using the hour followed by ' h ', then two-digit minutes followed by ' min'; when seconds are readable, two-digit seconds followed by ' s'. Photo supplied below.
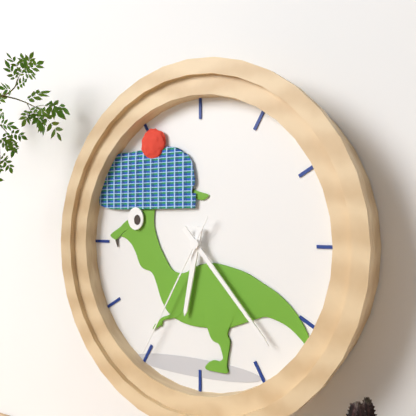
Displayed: 6 h 23 min 35 s
